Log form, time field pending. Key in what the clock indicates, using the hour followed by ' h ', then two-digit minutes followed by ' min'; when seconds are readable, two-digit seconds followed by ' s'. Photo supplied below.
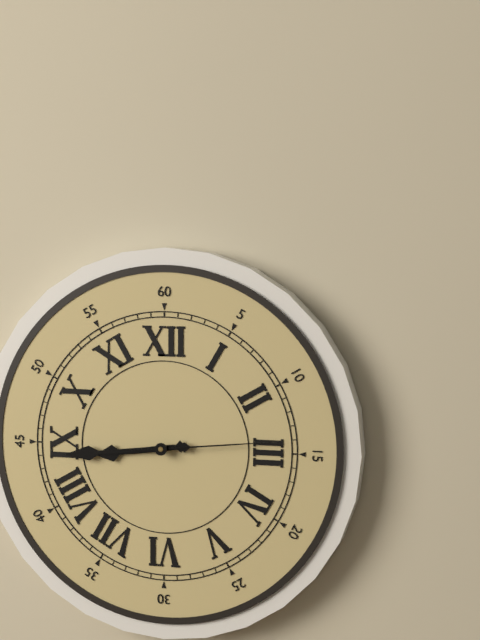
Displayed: 8 h 44 min 14 s
